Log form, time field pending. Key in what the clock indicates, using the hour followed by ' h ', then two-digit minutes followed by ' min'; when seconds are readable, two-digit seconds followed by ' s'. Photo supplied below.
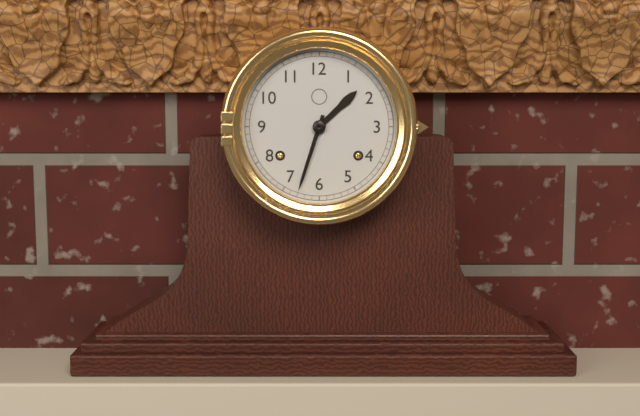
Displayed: 1 h 33 min
